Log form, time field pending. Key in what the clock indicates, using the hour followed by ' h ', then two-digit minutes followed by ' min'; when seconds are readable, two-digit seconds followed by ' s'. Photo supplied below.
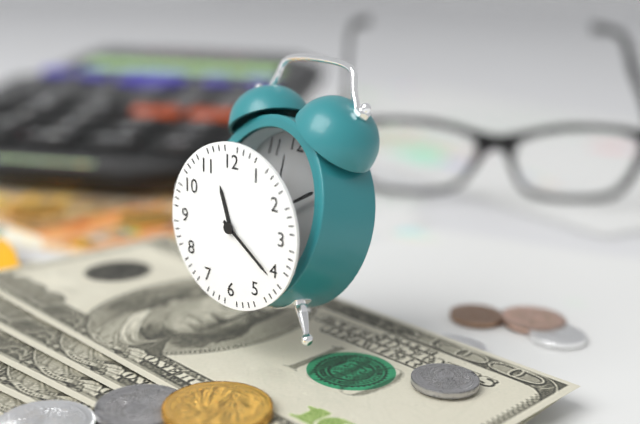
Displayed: 11 h 21 min
